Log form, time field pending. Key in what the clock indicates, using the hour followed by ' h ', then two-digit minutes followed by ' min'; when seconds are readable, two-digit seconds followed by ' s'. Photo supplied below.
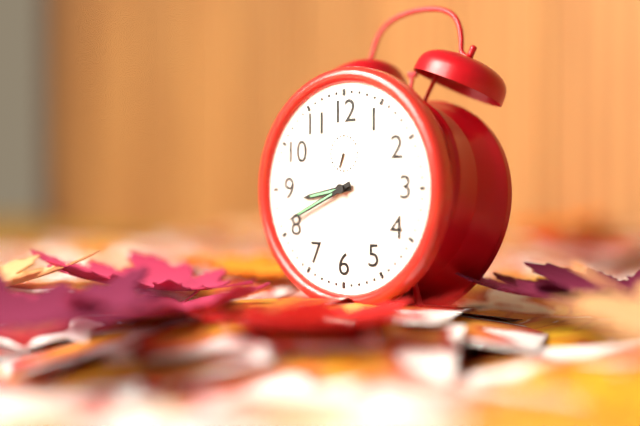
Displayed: 8 h 41 min
